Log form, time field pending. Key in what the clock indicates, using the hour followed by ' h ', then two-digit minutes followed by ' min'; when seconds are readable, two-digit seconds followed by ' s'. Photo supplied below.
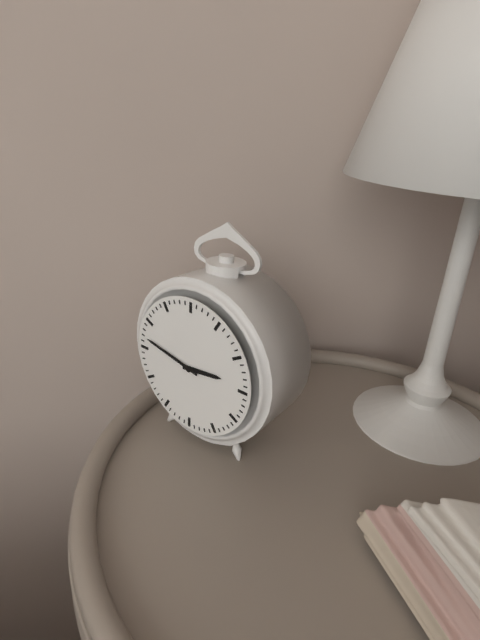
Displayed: 2 h 47 min
